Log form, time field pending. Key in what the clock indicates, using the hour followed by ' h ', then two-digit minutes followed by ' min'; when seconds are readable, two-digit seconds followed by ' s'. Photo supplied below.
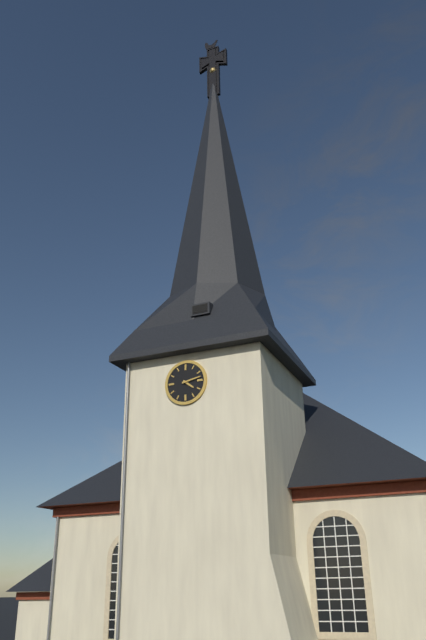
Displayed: 4 h 13 min
